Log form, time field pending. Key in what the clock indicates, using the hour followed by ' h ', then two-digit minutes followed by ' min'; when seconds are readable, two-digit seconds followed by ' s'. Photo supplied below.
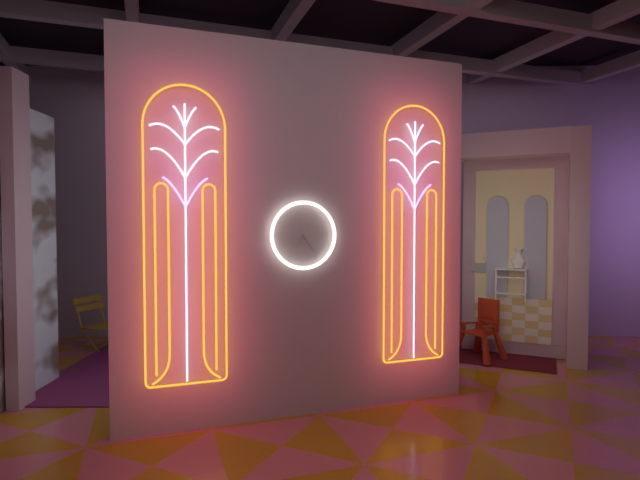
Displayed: 7 h 24 min
